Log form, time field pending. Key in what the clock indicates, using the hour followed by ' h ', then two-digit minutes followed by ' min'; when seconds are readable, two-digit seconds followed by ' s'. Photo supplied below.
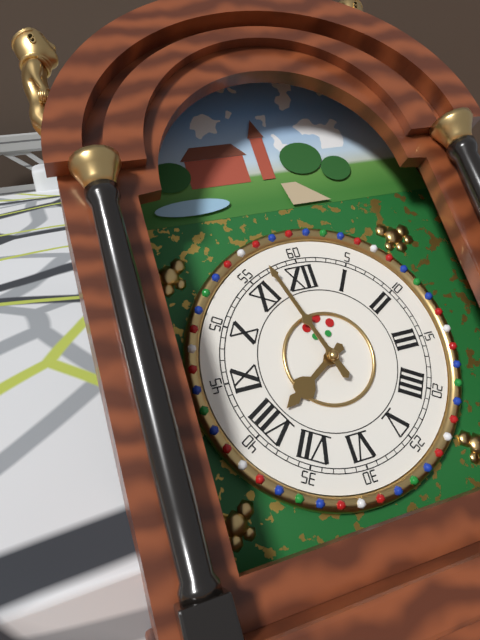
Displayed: 7 h 57 min
